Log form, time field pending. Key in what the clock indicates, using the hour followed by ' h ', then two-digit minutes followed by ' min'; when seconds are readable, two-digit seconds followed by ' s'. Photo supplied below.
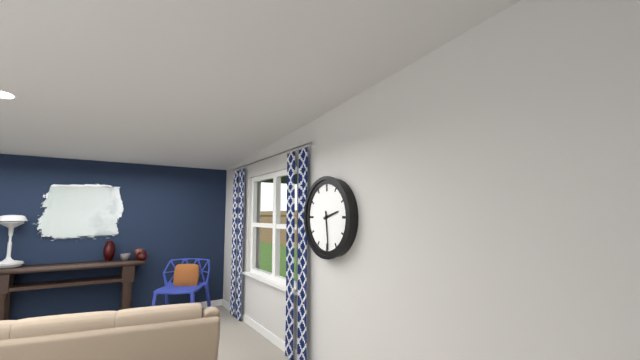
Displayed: 2 h 29 min
